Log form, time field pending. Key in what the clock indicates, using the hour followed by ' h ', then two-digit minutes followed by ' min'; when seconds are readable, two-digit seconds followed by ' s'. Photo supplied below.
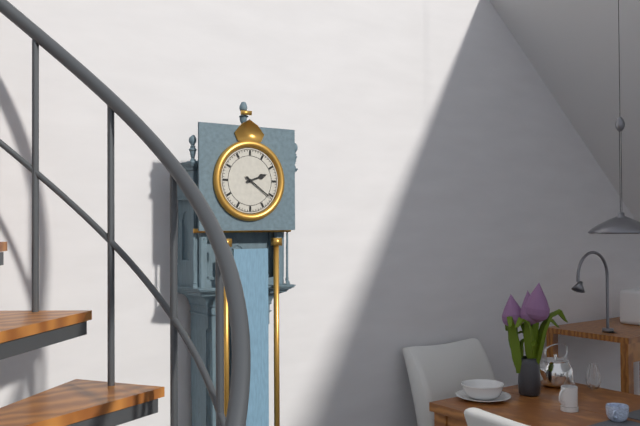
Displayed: 2 h 21 min
